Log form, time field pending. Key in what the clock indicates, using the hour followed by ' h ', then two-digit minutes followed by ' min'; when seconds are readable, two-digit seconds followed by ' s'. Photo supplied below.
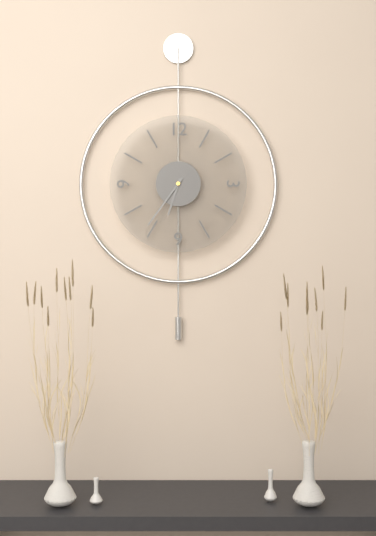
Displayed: 6 h 36 min
